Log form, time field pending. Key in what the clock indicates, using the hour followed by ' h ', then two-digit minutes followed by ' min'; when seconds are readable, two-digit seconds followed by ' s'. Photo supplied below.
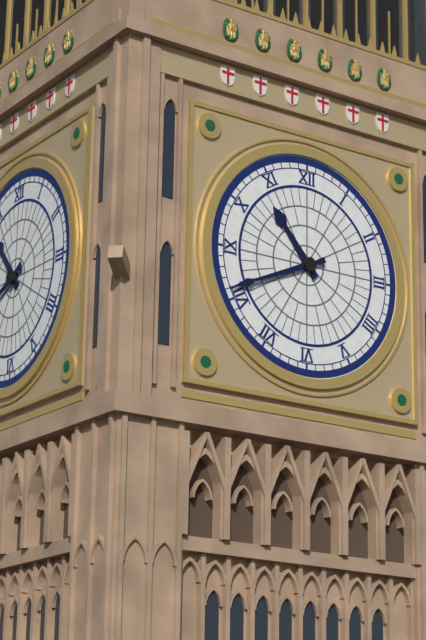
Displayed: 10 h 41 min
